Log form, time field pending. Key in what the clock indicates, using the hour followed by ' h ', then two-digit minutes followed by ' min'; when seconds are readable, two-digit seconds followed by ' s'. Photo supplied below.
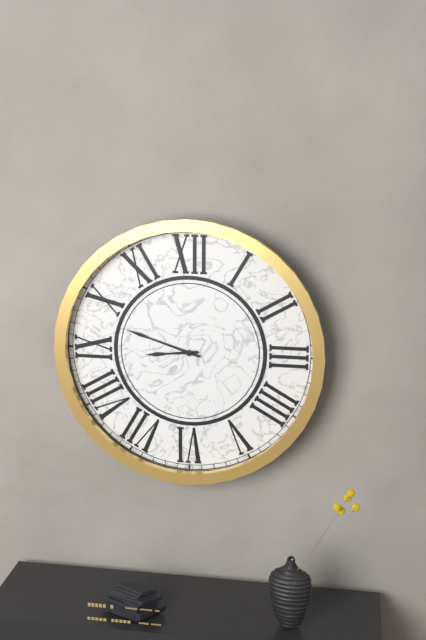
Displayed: 8 h 48 min
